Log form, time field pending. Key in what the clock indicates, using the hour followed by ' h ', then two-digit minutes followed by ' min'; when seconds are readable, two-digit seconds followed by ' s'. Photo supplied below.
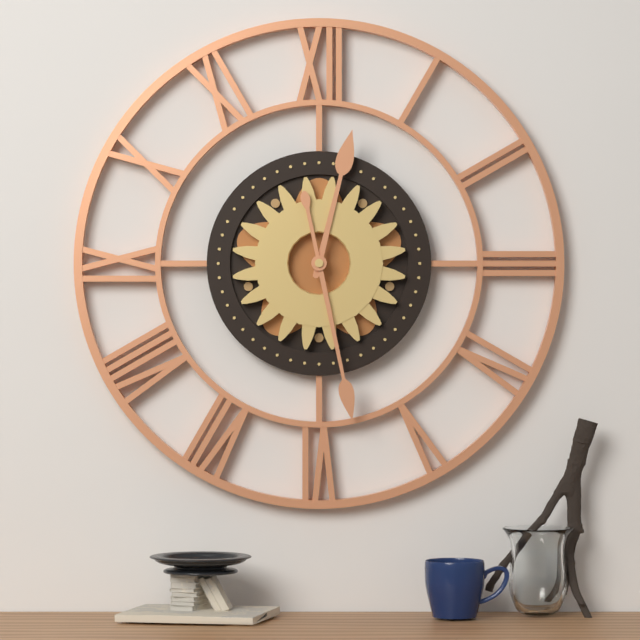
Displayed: 12 h 28 min
